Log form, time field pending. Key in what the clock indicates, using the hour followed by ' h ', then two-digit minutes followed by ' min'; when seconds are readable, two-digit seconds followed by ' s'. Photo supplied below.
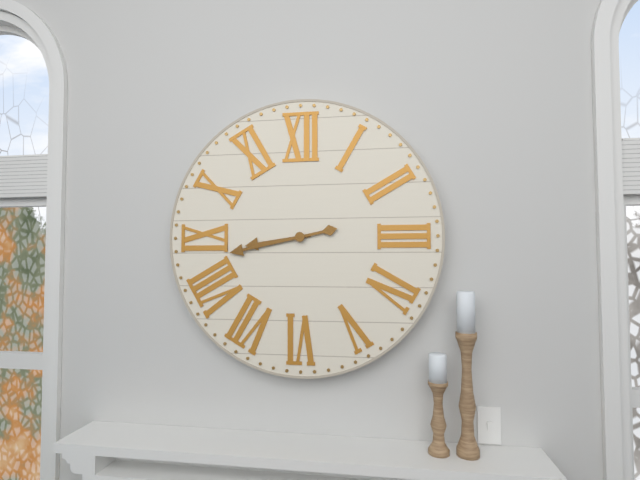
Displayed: 8 h 43 min
